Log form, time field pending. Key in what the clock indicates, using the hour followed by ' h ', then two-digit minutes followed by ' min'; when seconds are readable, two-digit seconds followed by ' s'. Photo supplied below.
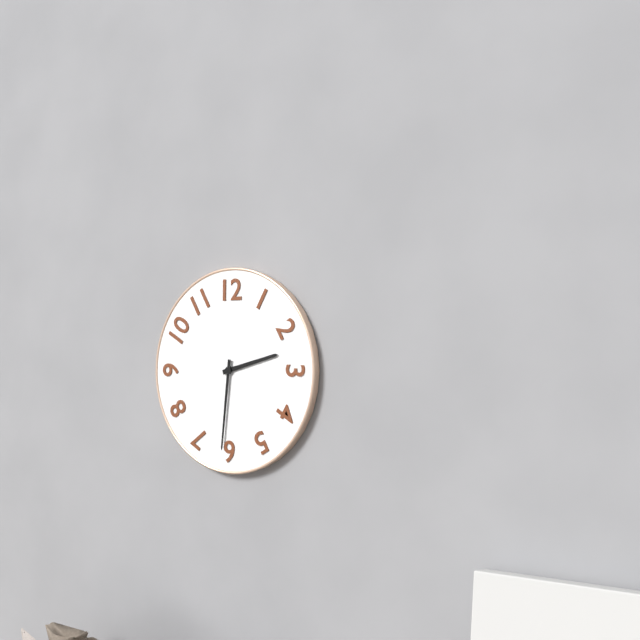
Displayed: 2 h 31 min
